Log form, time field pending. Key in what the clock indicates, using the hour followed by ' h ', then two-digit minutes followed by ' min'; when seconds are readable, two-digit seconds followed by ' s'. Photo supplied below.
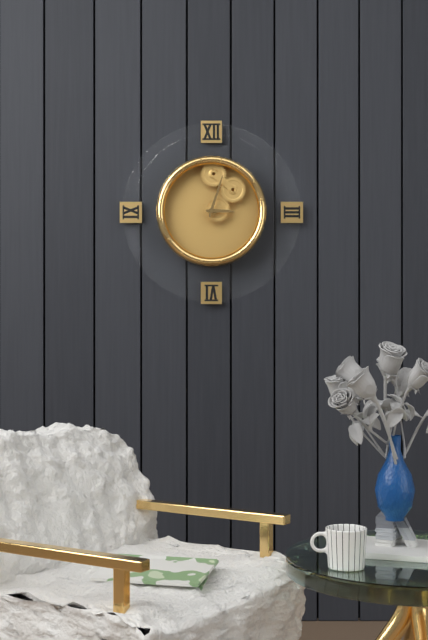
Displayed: 3 h 03 min
